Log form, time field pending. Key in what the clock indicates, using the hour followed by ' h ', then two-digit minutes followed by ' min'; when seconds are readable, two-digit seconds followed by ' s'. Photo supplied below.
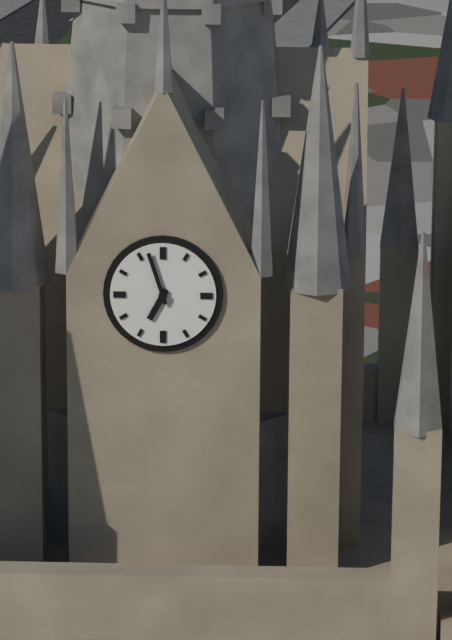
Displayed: 6 h 57 min
